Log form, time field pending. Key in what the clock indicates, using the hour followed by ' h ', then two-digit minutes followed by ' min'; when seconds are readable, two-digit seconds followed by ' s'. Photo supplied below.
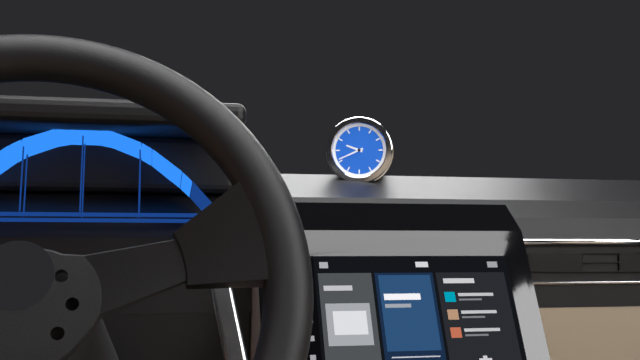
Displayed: 9 h 41 min
